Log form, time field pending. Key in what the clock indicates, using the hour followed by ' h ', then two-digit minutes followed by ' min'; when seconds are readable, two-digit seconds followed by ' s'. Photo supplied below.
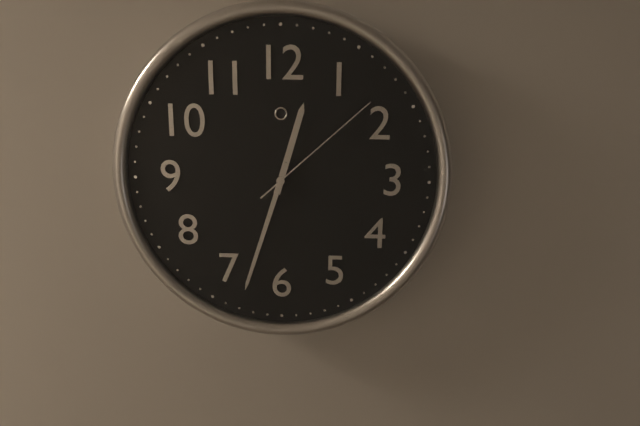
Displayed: 12 h 33 min 08 s
